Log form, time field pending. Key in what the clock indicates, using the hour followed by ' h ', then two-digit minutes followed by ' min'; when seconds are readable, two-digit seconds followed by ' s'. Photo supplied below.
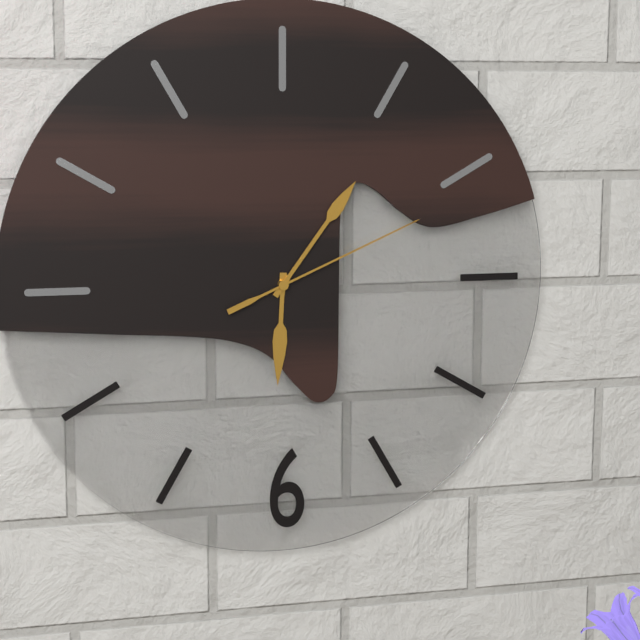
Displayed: 6 h 06 min 11 s
